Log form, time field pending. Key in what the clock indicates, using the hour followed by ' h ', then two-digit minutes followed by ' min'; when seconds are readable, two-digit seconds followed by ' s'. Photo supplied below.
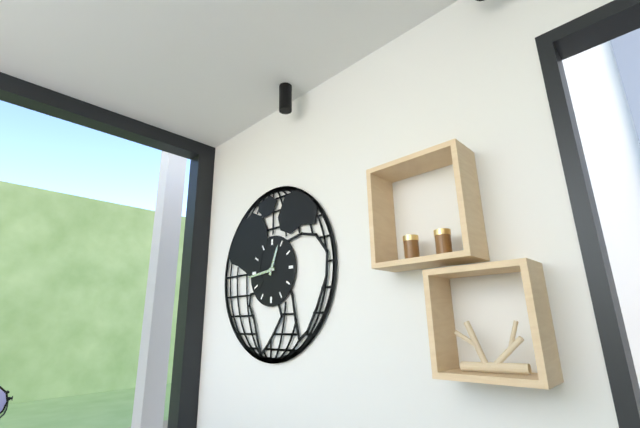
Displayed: 12 h 44 min
